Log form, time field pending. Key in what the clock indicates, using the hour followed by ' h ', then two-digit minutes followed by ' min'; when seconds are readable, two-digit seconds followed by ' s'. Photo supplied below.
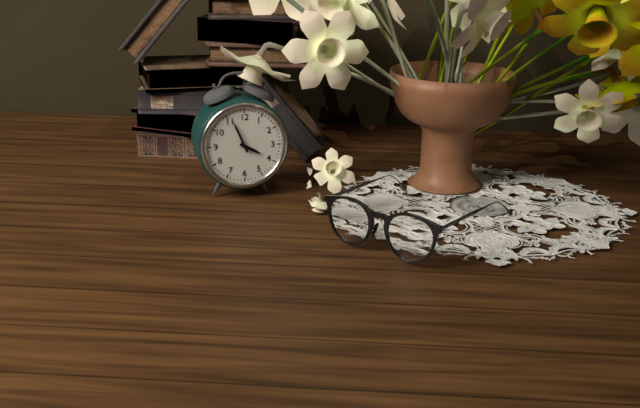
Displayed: 3 h 56 min
